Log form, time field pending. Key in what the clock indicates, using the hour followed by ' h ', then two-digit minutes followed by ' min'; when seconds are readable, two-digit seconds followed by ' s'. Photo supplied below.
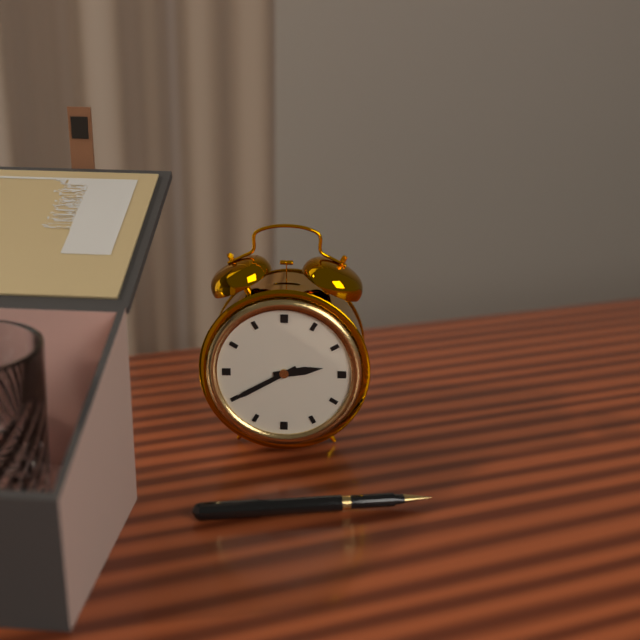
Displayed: 2 h 40 min
